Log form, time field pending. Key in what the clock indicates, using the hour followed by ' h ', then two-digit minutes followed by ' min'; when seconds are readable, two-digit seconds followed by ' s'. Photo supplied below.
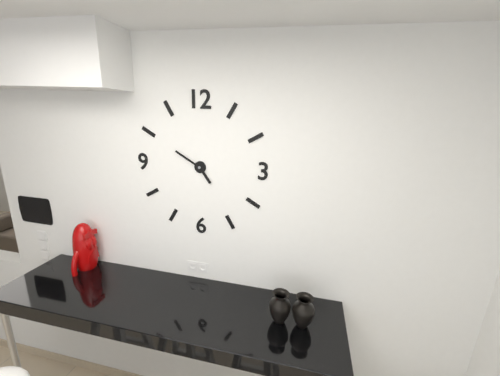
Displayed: 4 h 50 min
